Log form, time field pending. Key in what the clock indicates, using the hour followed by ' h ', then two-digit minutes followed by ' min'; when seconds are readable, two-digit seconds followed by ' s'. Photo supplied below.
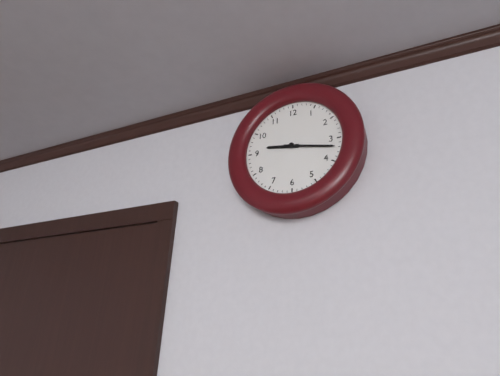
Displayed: 9 h 17 min
